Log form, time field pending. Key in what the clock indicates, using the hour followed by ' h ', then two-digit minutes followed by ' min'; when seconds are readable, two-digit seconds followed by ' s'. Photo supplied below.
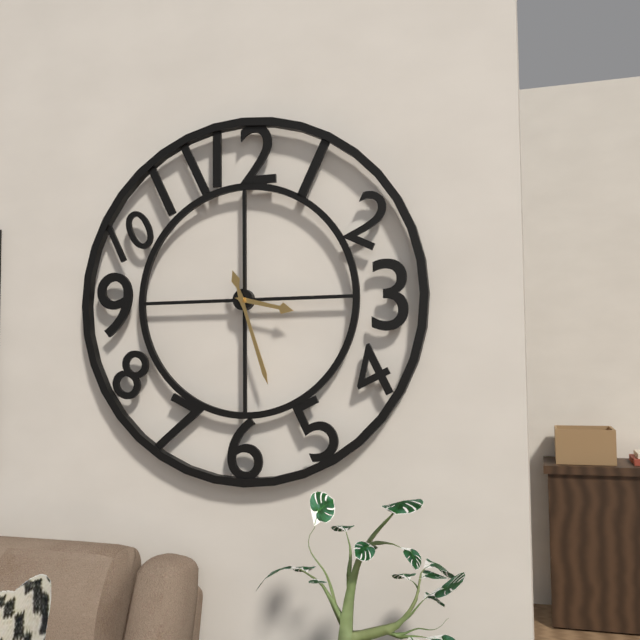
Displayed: 3 h 27 min
